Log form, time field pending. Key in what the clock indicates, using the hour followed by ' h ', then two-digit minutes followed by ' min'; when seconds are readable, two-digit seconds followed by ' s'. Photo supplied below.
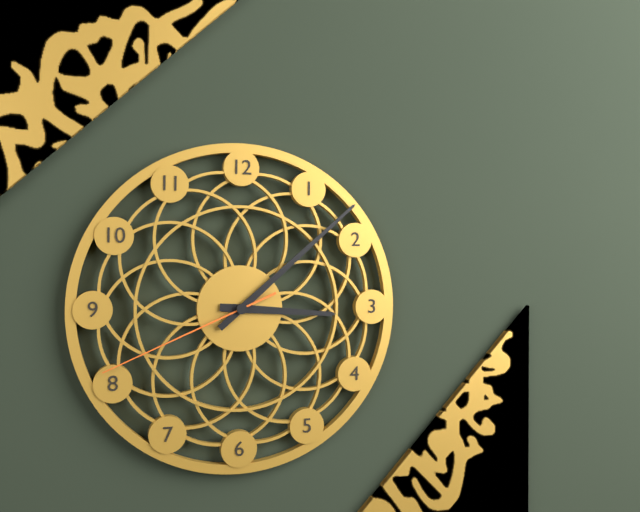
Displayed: 3 h 08 min 41 s
